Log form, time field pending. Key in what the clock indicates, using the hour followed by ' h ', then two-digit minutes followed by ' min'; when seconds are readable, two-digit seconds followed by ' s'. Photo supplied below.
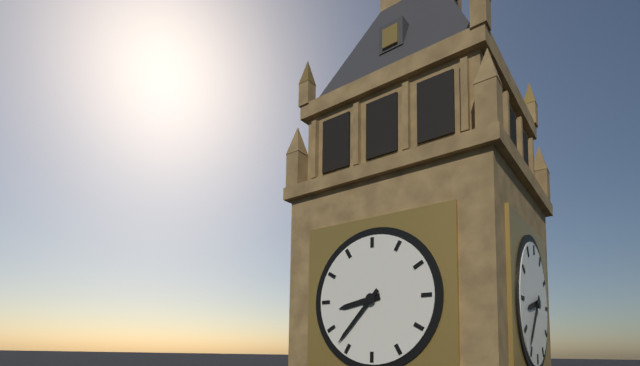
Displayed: 8 h 37 min
